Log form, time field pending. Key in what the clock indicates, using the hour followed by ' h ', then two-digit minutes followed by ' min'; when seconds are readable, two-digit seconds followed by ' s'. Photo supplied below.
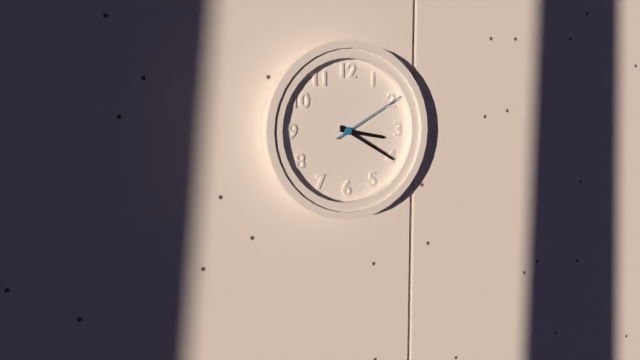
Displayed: 3 h 20 min 10 s
